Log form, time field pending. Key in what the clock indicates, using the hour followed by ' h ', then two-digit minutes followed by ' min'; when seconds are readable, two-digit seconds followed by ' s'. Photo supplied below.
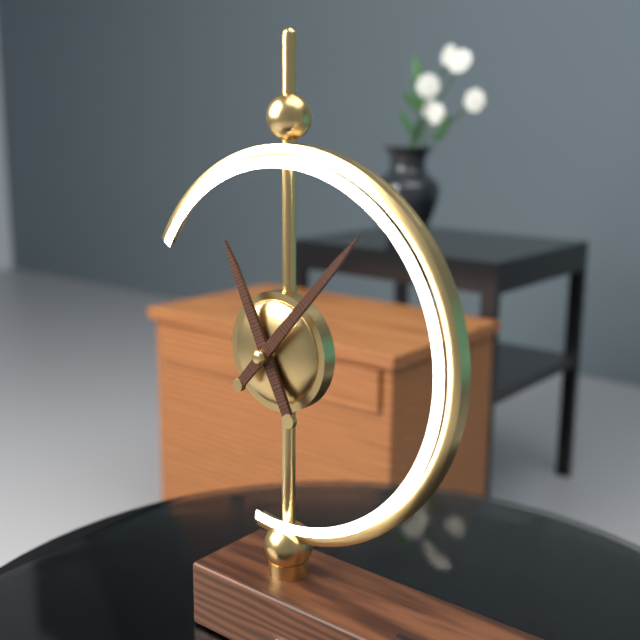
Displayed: 11 h 07 min
